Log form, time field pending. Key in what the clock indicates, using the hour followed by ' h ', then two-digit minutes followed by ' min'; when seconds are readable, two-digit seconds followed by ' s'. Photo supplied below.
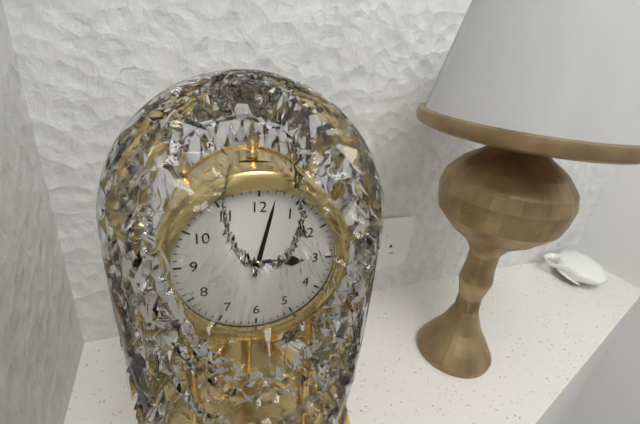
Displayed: 3 h 02 min
